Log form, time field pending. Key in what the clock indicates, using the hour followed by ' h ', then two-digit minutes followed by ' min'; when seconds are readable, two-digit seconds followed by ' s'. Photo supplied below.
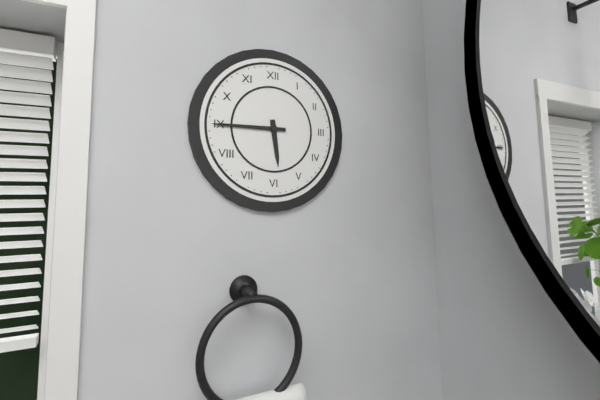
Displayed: 5 h 45 min
